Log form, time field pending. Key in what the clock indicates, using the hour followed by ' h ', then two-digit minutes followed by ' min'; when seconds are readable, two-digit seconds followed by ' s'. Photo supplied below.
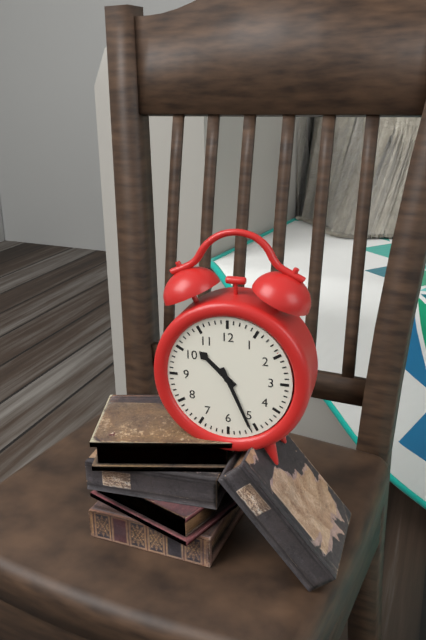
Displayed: 10 h 26 min
